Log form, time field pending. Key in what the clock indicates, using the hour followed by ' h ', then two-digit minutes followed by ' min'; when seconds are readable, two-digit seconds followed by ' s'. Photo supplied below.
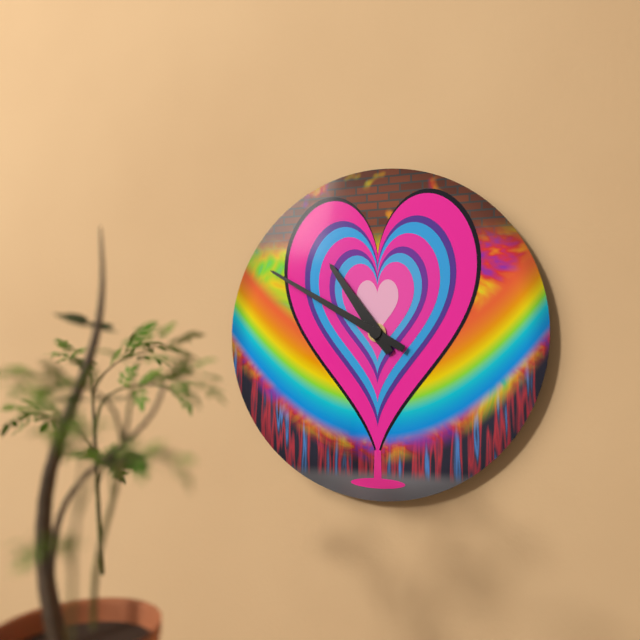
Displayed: 10 h 50 min
